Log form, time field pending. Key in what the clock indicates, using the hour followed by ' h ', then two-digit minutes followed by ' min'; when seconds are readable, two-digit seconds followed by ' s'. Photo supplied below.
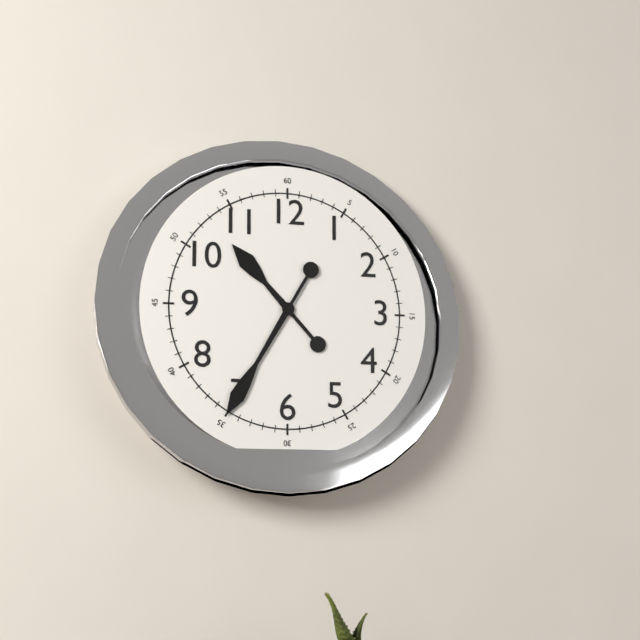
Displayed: 10 h 35 min
